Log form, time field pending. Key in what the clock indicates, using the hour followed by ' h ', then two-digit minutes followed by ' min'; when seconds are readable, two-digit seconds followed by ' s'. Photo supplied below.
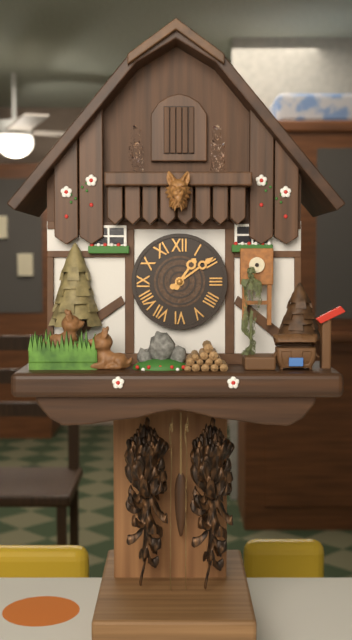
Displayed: 1 h 09 min
